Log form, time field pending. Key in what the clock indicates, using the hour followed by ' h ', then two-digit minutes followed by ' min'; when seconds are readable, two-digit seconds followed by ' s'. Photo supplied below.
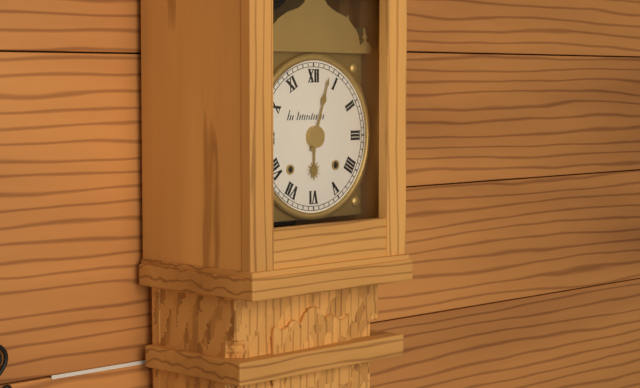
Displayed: 6 h 03 min
